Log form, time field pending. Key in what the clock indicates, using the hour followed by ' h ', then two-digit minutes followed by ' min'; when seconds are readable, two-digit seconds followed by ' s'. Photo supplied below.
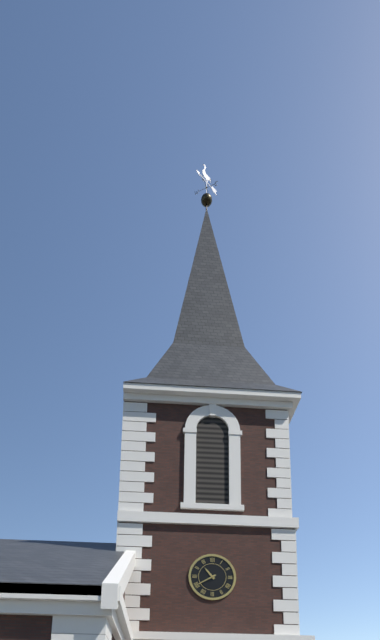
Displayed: 10 h 40 min
